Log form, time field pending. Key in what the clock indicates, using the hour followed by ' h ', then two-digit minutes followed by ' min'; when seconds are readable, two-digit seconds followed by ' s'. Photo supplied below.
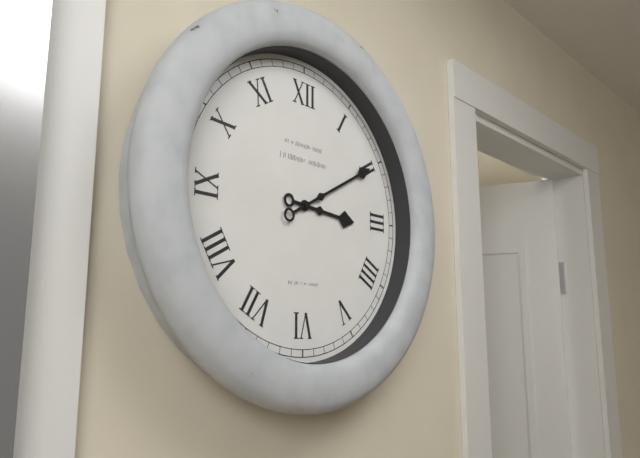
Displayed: 3 h 10 min
